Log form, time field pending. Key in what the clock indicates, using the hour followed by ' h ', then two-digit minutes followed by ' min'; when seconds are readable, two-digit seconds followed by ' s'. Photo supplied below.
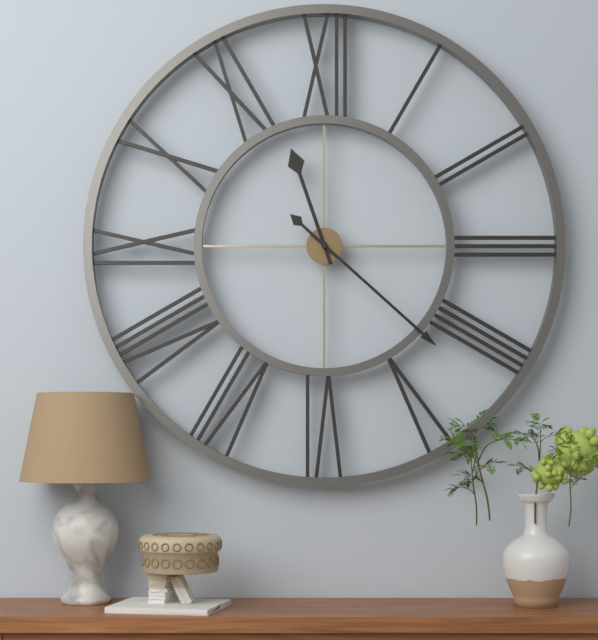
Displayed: 11 h 22 min
